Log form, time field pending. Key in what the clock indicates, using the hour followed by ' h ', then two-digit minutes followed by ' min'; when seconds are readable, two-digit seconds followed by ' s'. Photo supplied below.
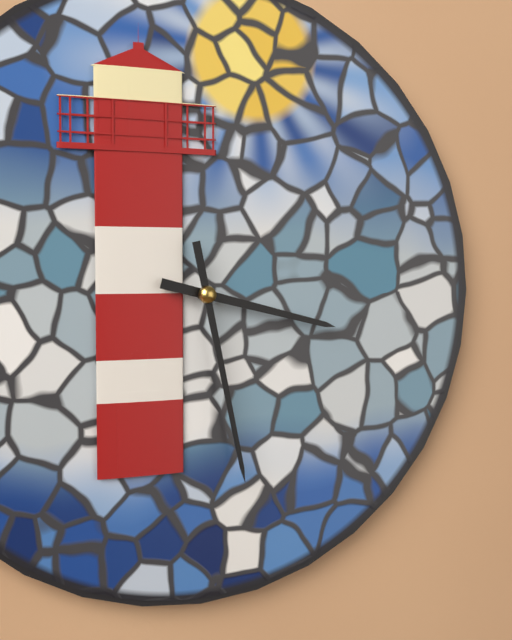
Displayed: 3 h 28 min
